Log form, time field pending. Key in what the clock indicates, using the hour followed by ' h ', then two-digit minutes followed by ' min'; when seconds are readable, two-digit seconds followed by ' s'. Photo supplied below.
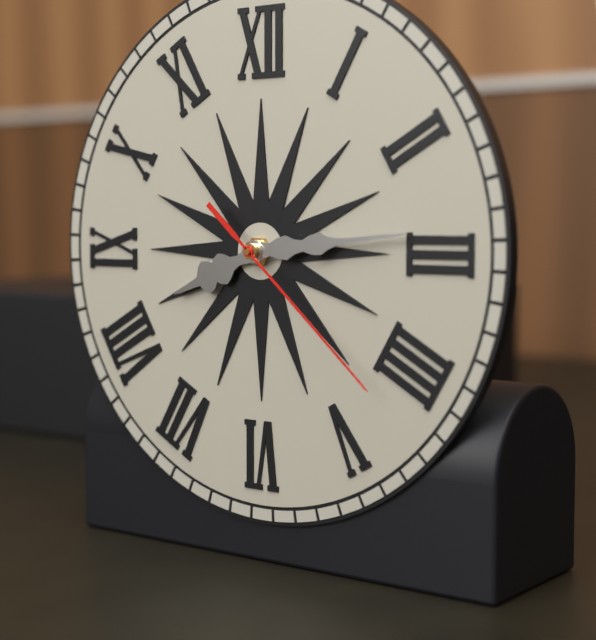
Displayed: 8 h 14 min 22 s
